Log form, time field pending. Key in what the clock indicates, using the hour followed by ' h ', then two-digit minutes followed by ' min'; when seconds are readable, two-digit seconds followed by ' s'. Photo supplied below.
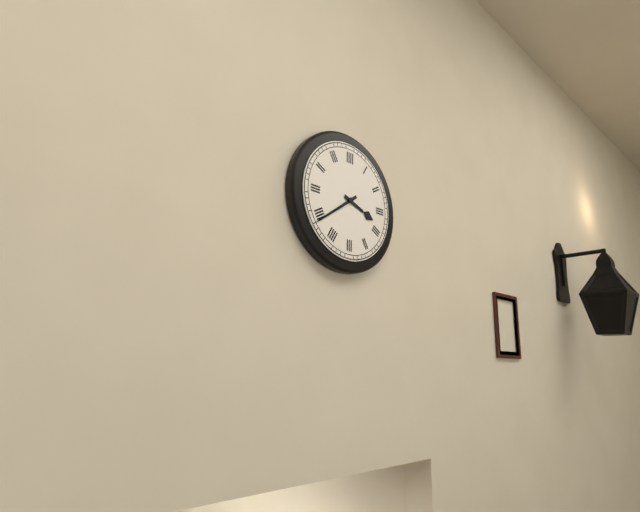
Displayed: 3 h 39 min
